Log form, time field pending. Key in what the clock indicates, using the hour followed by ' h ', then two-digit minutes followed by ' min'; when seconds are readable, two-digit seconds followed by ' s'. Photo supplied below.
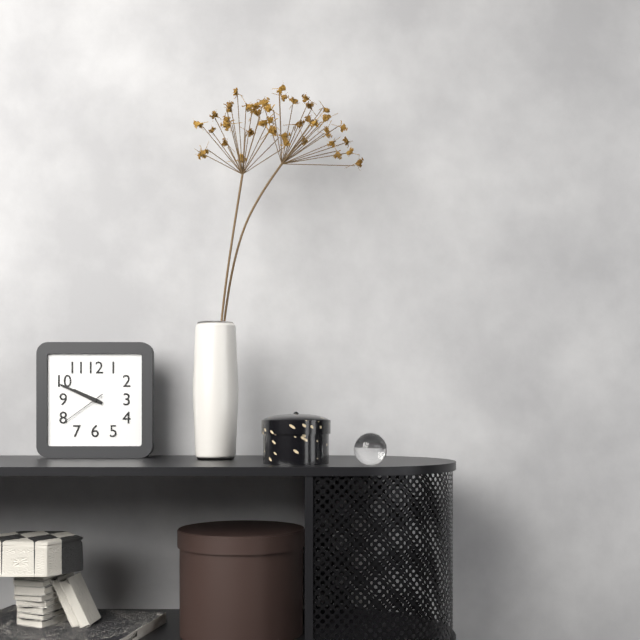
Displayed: 9 h 49 min
